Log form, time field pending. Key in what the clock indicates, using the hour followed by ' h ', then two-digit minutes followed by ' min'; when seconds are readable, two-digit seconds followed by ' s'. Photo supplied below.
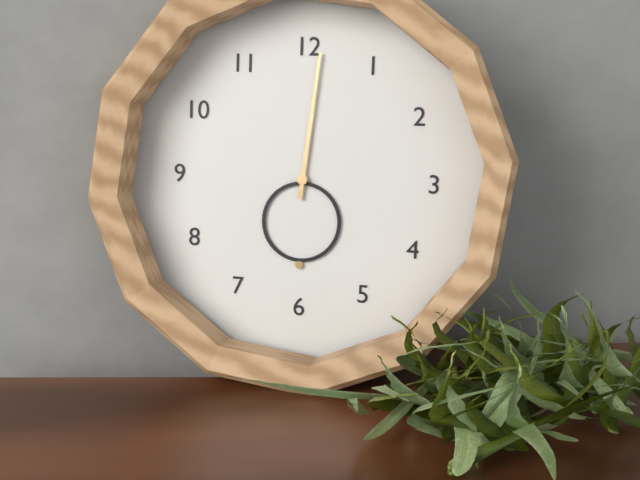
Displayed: 6 h 01 min
